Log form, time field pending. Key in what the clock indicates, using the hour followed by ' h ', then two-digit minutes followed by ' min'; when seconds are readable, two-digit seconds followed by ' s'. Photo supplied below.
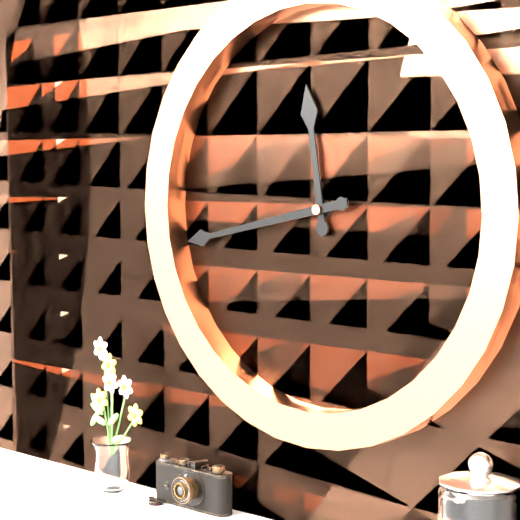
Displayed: 11 h 43 min
